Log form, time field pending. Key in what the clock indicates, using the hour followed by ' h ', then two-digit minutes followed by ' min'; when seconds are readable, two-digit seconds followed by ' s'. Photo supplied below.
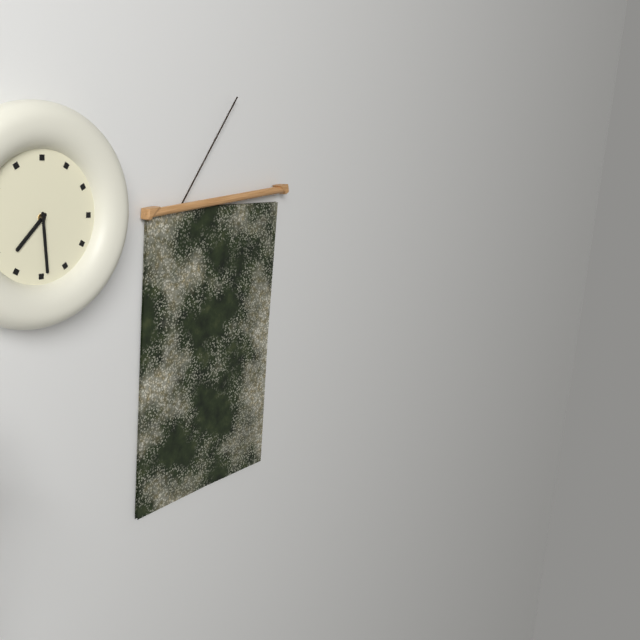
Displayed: 7 h 29 min
